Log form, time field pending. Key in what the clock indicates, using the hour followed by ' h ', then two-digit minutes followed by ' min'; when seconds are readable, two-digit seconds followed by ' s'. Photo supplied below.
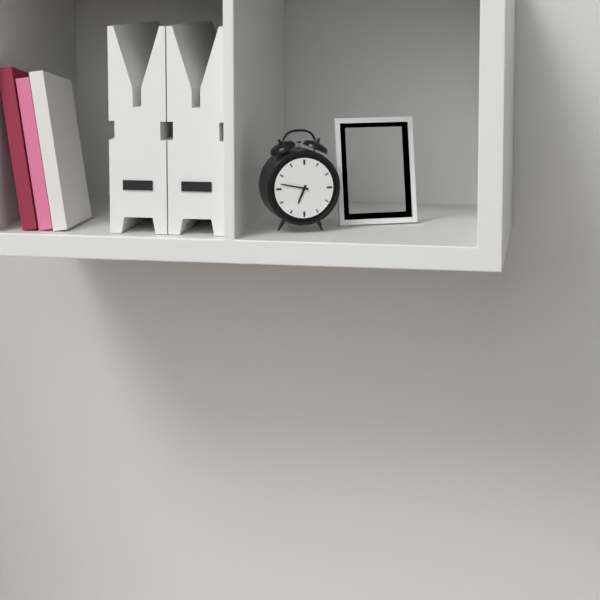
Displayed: 6 h 47 min
